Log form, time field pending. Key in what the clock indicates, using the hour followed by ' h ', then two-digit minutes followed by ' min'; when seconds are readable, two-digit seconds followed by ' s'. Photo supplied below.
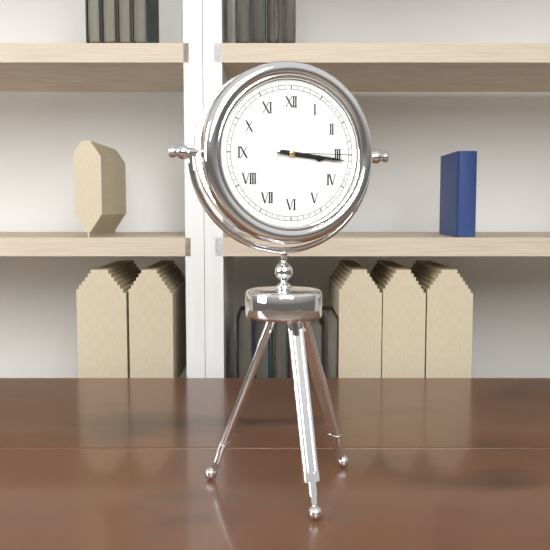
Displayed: 3 h 16 min 15 s
